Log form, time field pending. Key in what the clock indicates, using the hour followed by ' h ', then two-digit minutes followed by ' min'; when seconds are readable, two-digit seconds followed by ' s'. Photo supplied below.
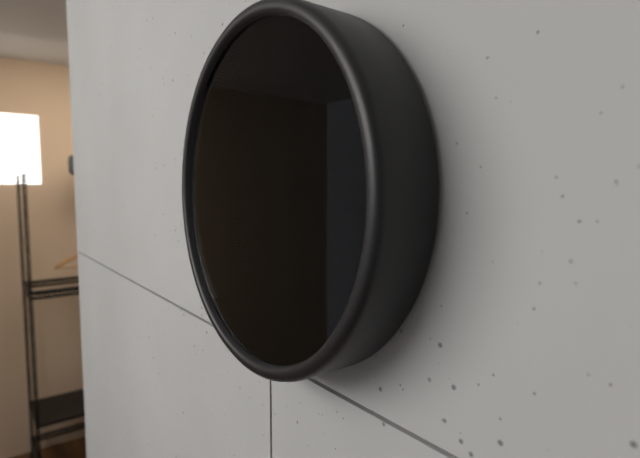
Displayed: 5 h 54 min
